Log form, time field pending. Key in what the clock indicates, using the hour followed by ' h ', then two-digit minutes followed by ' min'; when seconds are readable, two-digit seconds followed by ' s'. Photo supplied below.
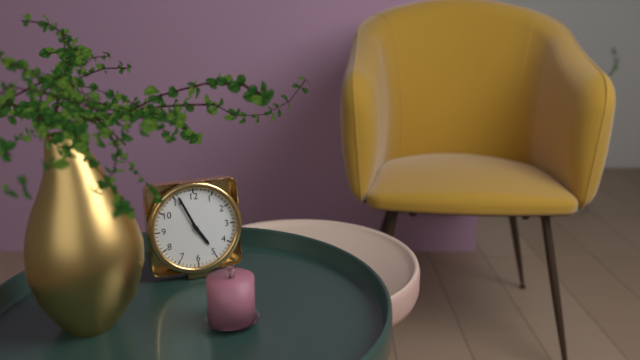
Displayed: 4 h 56 min
